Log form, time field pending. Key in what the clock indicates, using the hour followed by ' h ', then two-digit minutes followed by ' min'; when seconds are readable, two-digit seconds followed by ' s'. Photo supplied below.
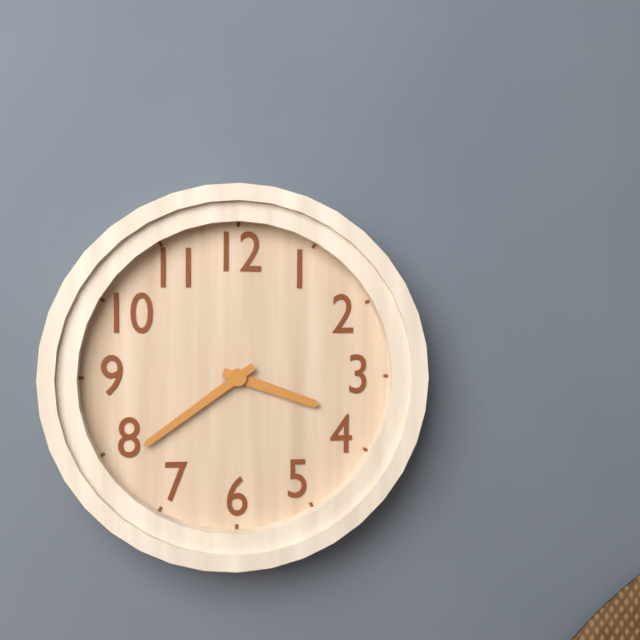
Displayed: 3 h 39 min
